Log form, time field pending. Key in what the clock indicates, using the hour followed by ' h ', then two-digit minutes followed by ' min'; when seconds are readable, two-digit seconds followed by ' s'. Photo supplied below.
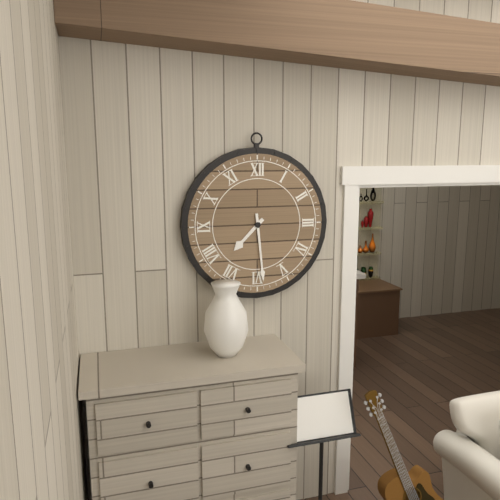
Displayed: 7 h 29 min
